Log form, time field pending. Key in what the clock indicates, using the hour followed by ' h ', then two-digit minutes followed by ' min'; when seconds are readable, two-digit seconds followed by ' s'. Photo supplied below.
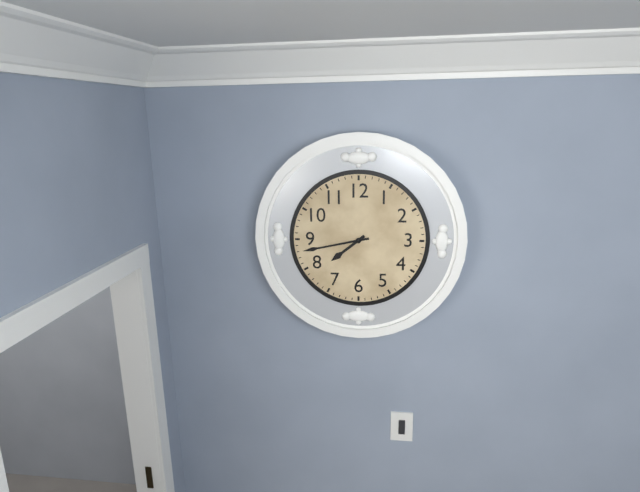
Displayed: 7 h 43 min
